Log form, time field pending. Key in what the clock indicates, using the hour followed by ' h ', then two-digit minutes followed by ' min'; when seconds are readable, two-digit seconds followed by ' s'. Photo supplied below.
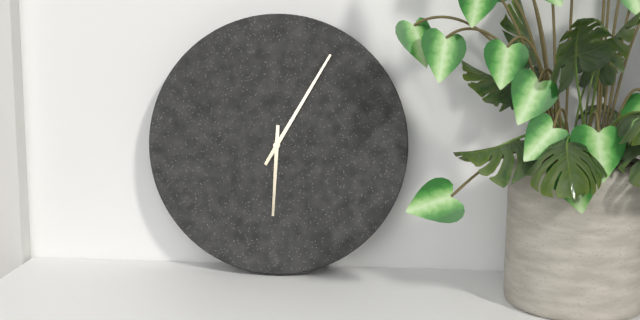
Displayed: 6 h 05 min
